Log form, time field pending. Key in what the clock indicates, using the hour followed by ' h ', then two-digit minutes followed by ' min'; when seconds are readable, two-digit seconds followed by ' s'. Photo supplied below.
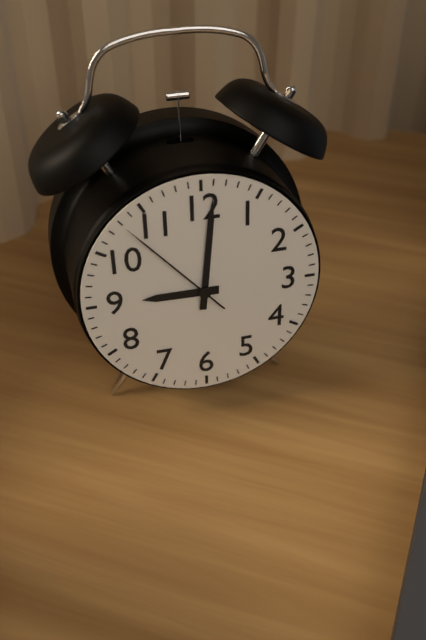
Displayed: 9 h 01 min 53 s
